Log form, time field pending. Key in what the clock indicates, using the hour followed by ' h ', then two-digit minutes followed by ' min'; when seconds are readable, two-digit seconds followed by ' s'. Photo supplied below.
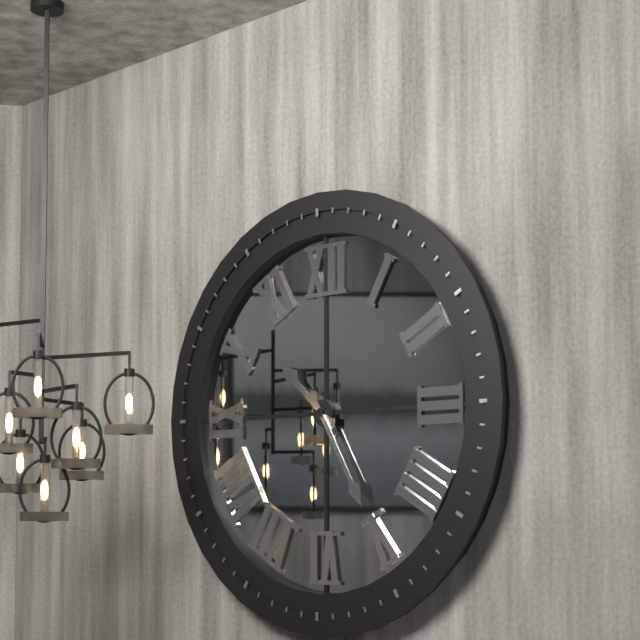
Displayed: 10 h 25 min
